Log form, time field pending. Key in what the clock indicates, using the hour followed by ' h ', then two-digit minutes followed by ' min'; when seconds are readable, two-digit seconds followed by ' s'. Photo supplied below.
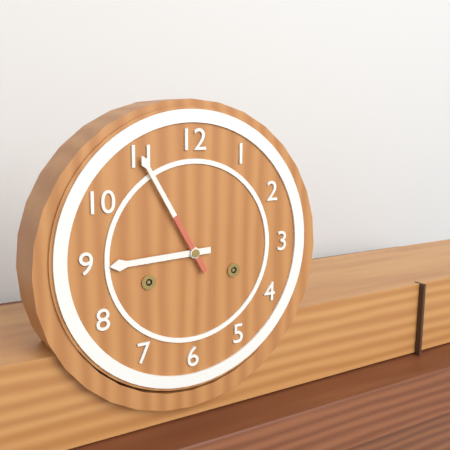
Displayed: 8 h 55 min
